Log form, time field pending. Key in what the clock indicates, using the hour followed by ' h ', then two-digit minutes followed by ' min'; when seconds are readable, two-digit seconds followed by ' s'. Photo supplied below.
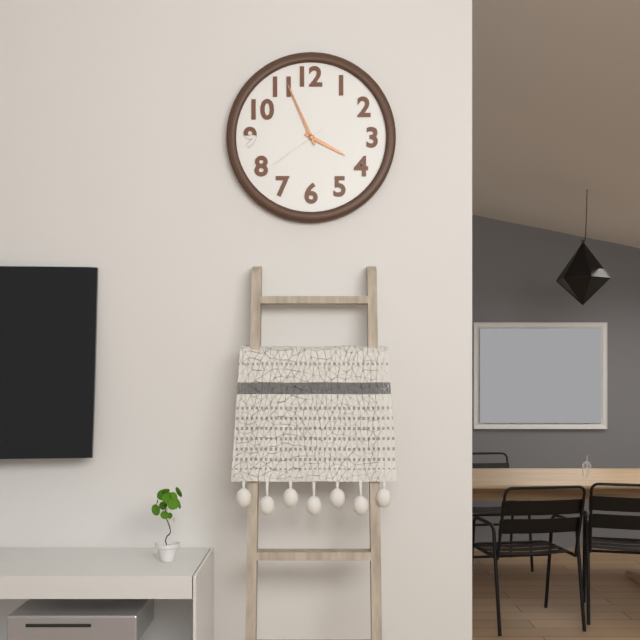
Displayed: 3 h 56 min 39 s
